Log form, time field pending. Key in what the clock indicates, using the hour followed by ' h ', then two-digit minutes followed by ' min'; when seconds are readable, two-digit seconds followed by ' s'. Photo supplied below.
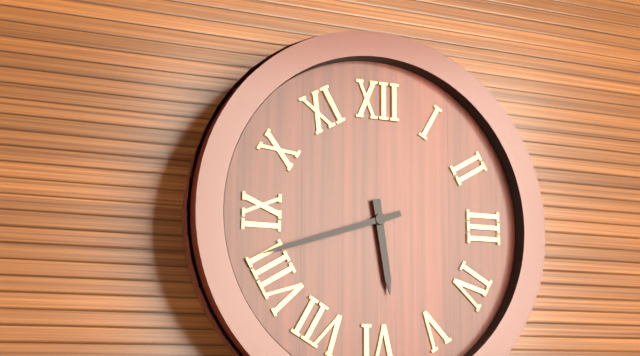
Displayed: 5 h 42 min
